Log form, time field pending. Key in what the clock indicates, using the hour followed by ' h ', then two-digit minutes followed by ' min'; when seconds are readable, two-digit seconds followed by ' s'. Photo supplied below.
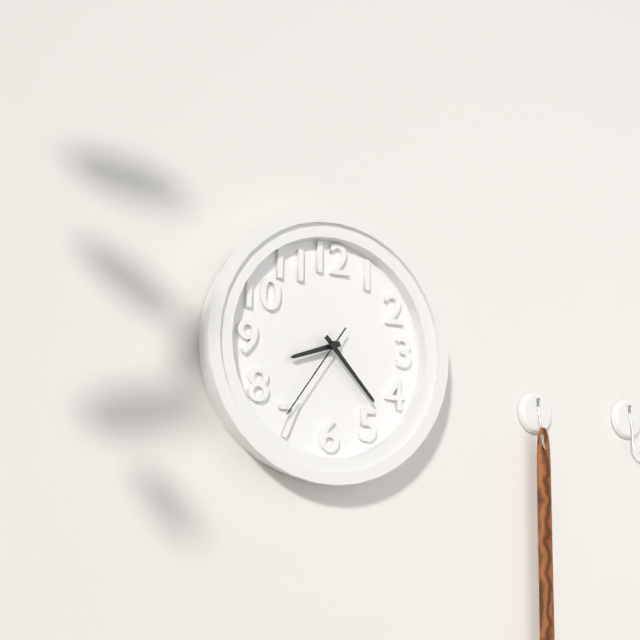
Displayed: 8 h 23 min 36 s
